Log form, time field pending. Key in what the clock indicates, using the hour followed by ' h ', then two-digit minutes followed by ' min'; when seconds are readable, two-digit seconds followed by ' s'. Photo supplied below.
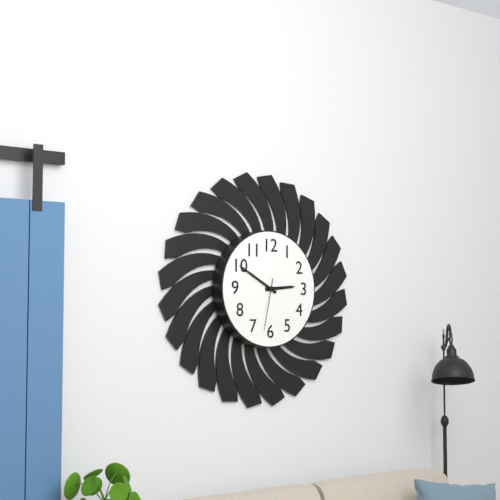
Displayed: 2 h 50 min 32 s
